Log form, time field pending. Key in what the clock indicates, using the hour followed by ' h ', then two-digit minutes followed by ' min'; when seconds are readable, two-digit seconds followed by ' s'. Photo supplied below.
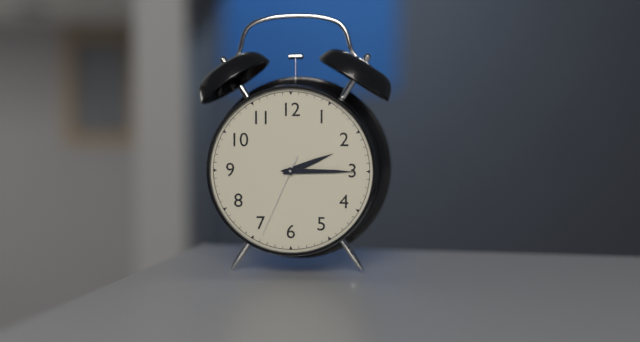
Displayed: 2 h 15 min 34 s
